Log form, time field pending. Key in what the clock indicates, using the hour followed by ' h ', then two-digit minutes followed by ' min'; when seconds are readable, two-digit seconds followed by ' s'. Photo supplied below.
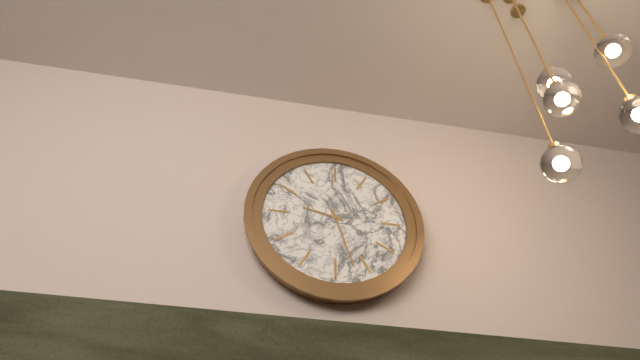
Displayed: 9 h 27 min
